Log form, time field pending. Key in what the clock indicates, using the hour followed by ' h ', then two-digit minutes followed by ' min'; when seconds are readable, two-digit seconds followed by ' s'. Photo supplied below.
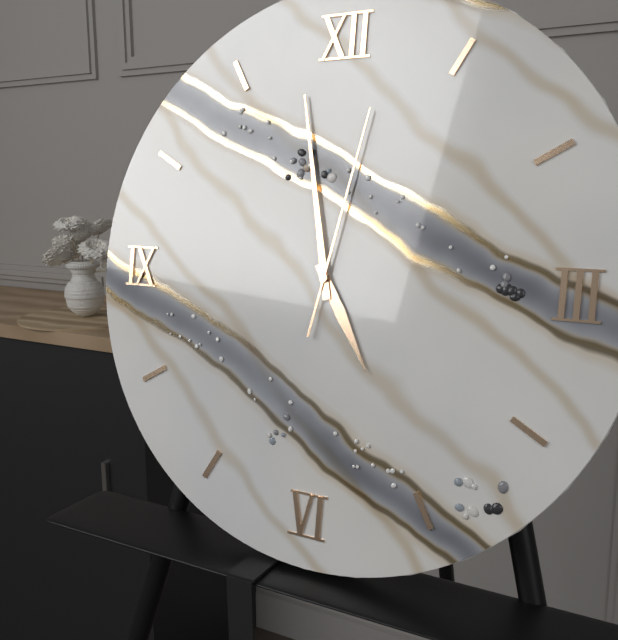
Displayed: 4 h 58 min 02 s
